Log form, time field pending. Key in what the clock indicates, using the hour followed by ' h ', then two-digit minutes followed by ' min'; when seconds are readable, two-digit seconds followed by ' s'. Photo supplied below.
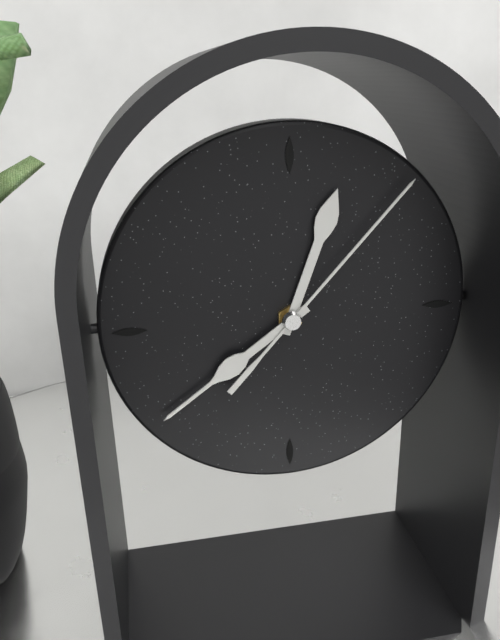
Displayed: 12 h 39 min 07 s
